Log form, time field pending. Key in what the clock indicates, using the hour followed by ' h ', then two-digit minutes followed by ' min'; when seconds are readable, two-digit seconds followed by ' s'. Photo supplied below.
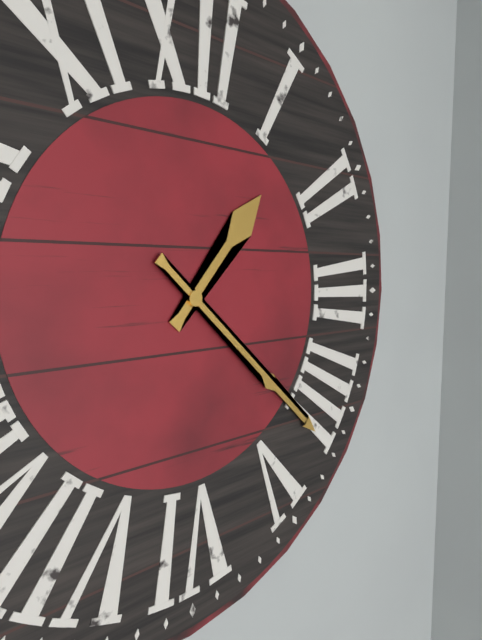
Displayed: 1 h 22 min
